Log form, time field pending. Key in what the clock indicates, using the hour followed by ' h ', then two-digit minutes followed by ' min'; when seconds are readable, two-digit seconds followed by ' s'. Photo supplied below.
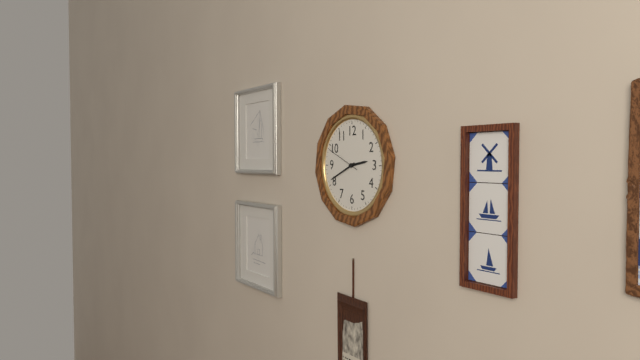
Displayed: 2 h 41 min
